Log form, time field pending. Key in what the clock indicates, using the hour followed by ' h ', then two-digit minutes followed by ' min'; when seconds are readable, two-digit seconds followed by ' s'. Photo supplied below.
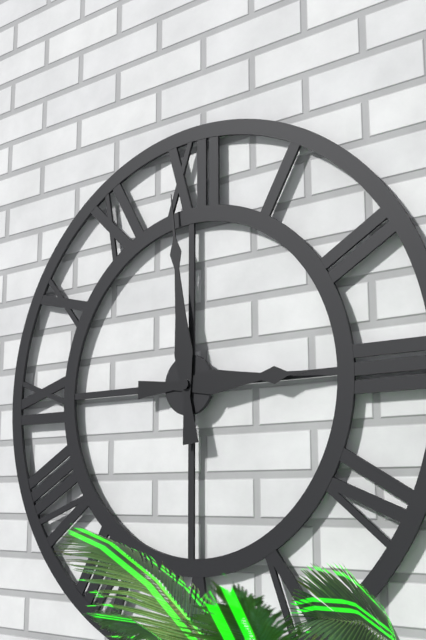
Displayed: 2 h 59 min
